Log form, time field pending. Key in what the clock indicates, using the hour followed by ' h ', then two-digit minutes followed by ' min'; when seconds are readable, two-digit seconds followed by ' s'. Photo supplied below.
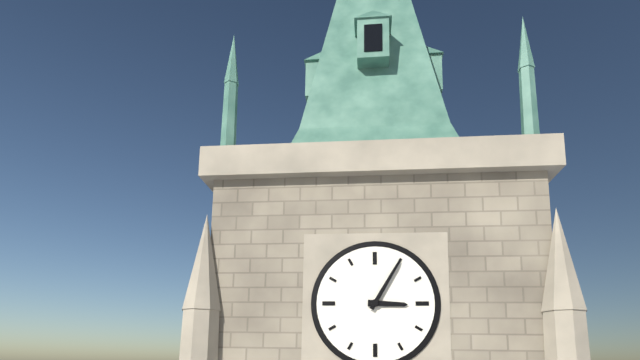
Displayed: 3 h 05 min
